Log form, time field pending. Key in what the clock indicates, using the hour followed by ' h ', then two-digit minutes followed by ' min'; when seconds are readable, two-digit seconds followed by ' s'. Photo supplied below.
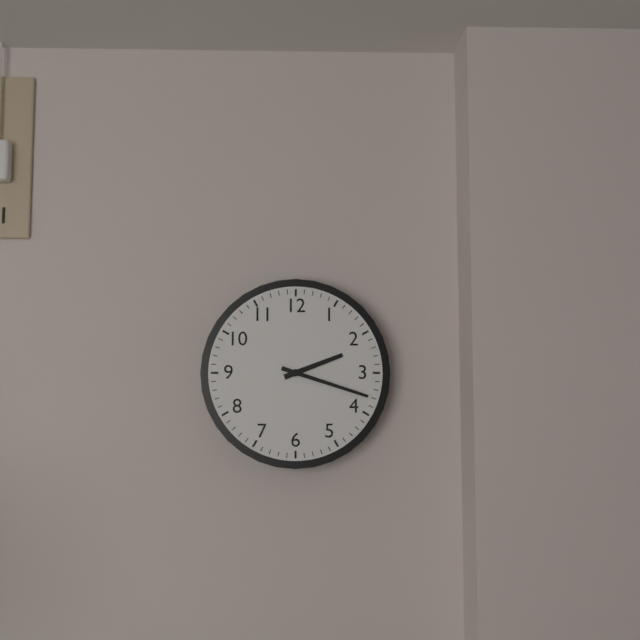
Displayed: 2 h 18 min
